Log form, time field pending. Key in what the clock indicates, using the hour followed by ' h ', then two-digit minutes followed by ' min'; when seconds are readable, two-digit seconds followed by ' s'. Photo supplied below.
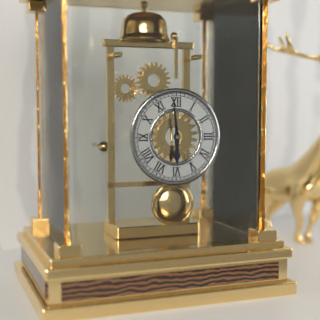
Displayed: 5 h 59 min
